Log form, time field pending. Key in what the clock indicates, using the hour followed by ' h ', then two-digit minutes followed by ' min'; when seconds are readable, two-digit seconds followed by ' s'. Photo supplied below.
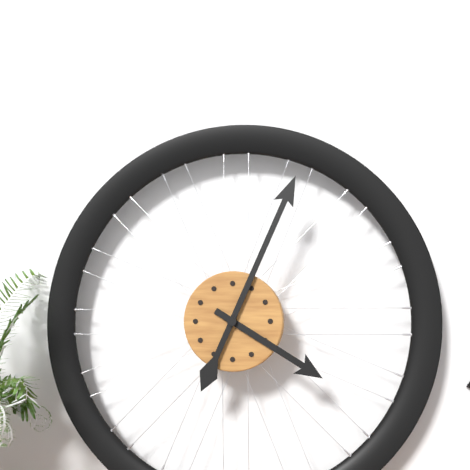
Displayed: 4 h 04 min
